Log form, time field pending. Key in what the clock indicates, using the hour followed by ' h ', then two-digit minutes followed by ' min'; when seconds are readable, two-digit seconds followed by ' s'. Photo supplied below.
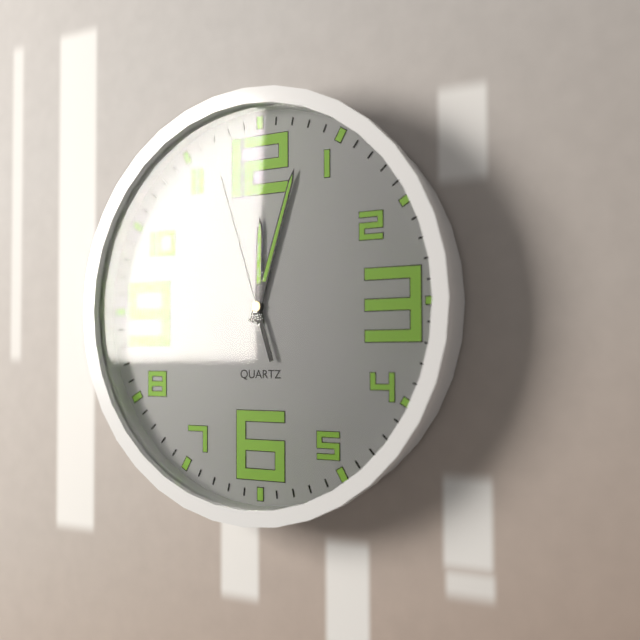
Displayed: 12 h 03 min 57 s
